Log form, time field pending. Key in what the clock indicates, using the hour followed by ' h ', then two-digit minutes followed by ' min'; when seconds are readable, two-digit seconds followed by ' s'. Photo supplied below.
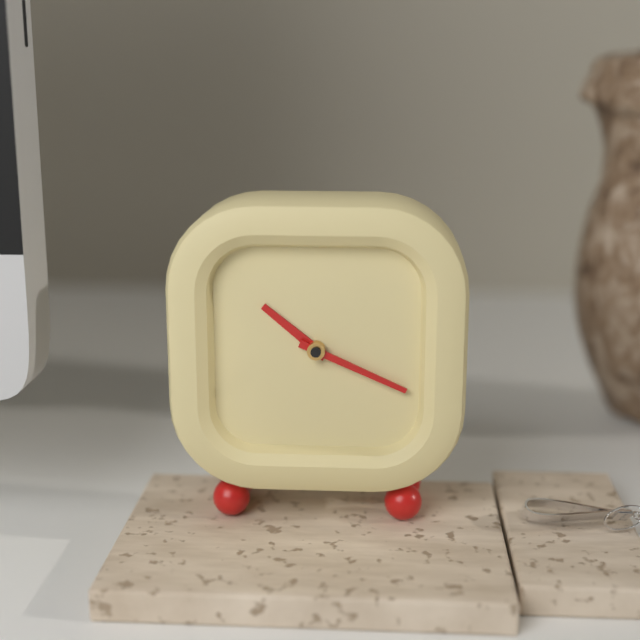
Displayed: 10 h 19 min
